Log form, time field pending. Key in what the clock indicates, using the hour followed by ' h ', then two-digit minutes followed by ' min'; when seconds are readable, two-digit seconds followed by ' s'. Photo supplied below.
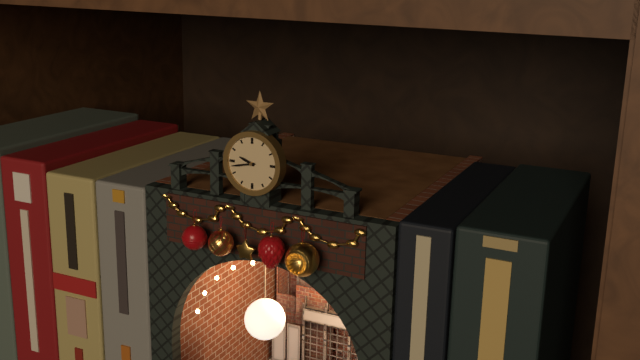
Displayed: 9 h 43 min
